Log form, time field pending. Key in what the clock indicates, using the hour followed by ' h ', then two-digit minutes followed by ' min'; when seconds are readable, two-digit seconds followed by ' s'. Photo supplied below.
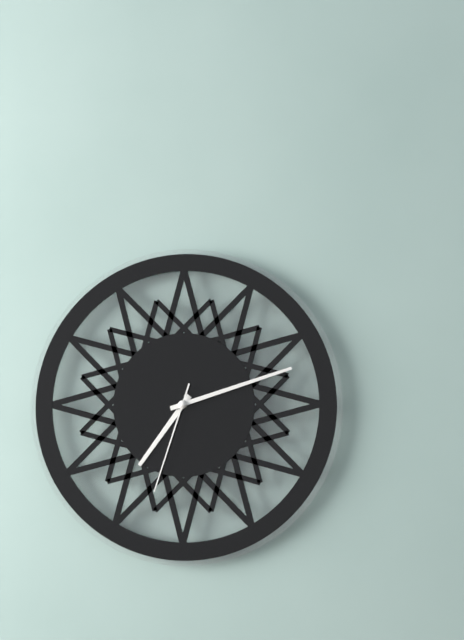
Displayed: 7 h 12 min 33 s
